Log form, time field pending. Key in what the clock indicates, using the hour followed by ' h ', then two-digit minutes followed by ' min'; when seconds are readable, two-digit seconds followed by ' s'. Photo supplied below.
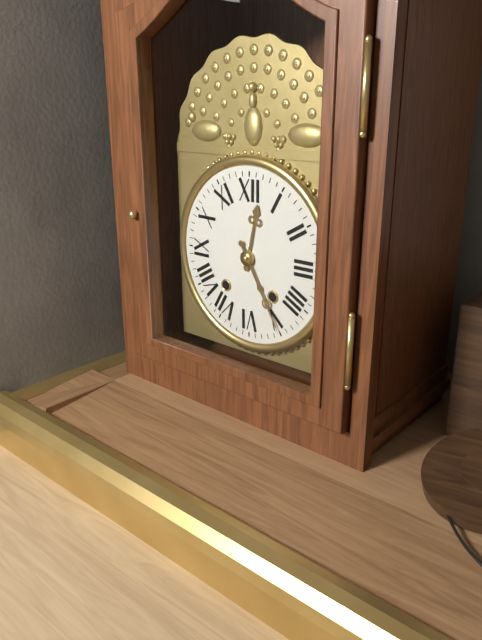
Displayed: 12 h 25 min
